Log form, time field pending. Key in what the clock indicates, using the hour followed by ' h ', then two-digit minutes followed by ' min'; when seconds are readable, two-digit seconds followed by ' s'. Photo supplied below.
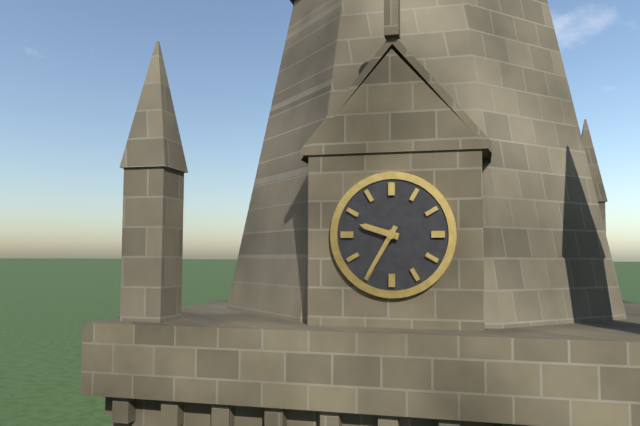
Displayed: 9 h 35 min
